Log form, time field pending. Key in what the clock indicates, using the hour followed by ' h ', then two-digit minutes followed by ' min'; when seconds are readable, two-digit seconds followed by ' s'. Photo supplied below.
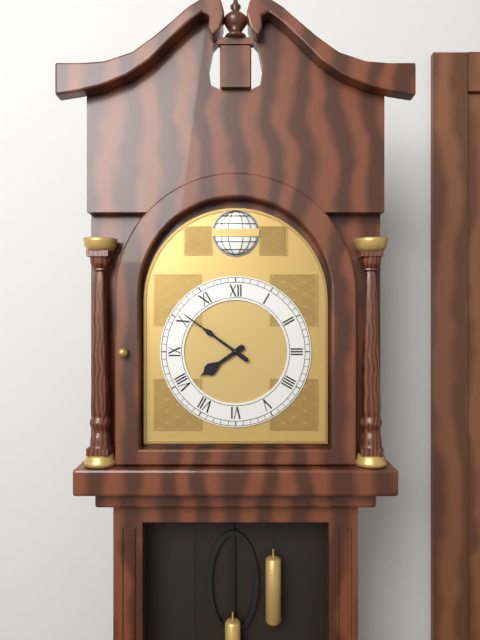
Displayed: 7 h 51 min
